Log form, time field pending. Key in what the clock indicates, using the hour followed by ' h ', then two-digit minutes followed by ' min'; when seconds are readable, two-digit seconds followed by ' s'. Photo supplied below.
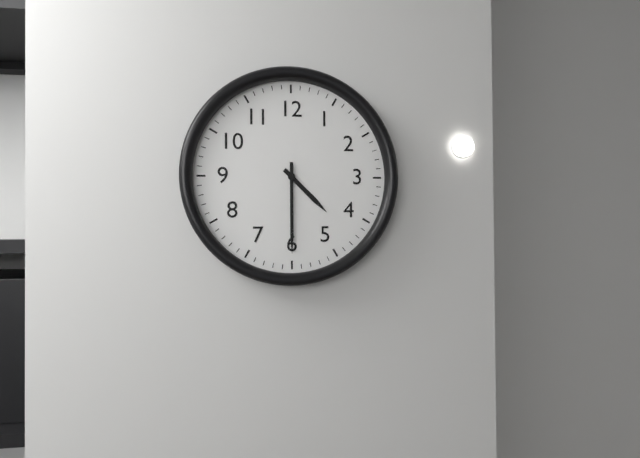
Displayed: 4 h 30 min
